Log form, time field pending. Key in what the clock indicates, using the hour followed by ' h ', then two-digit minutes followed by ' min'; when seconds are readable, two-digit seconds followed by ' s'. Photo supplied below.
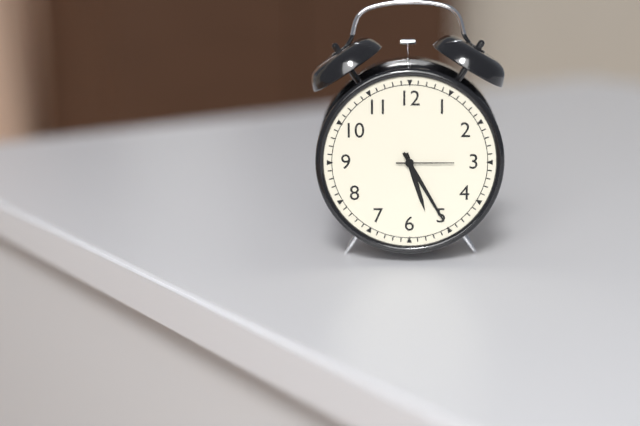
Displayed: 5 h 25 min 15 s
